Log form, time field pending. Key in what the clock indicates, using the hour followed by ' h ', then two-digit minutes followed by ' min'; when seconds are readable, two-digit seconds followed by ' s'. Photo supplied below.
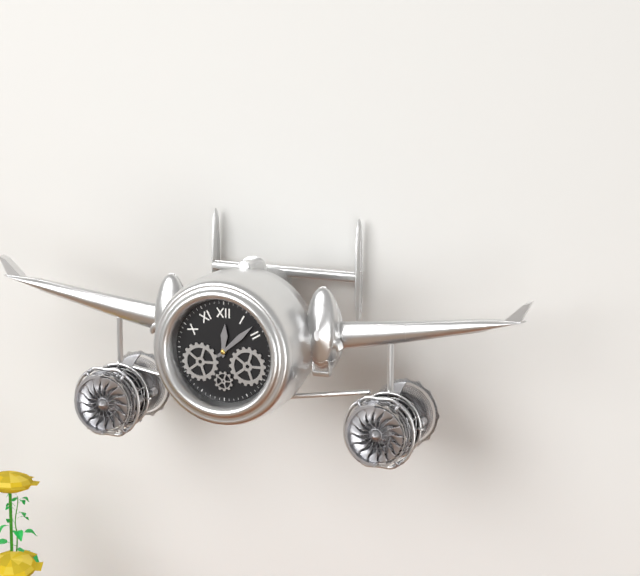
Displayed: 12 h 08 min
